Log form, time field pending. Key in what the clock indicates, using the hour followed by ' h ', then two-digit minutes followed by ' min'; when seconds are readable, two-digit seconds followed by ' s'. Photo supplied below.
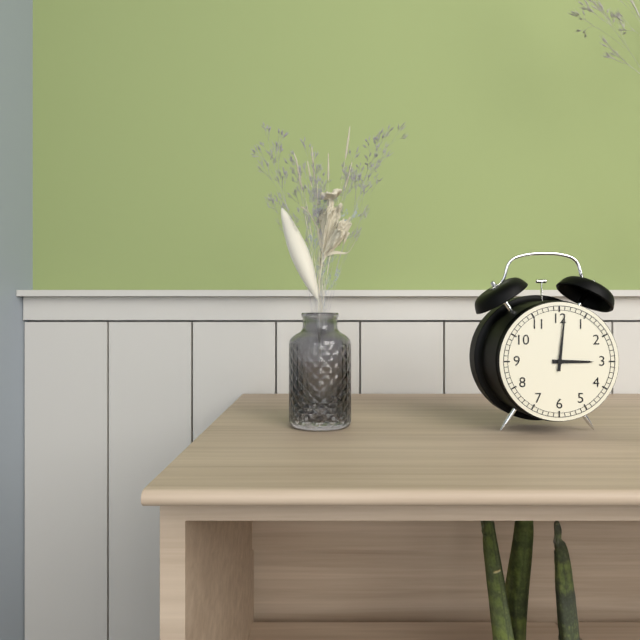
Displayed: 3 h 01 min
